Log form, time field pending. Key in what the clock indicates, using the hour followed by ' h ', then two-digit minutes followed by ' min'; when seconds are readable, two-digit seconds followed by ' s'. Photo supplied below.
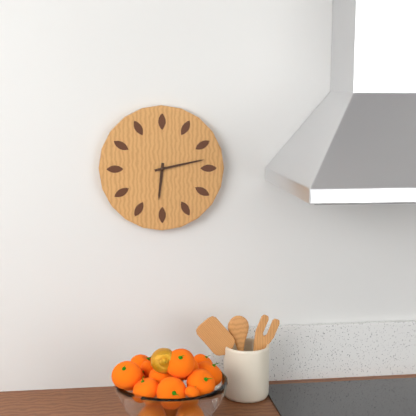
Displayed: 6 h 13 min
